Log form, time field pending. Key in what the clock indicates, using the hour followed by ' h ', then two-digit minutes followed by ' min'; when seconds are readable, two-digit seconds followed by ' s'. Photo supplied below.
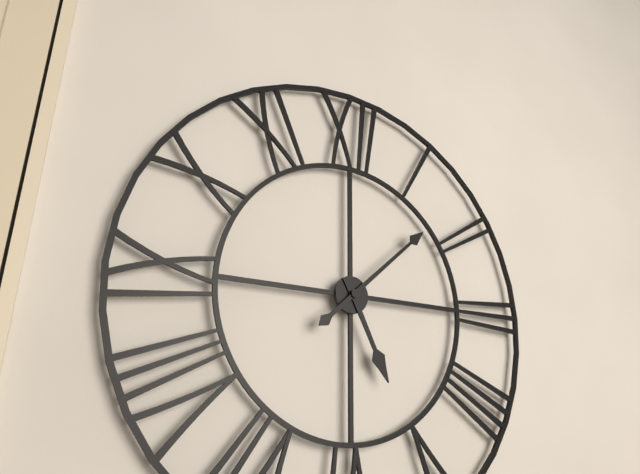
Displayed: 5 h 08 min
